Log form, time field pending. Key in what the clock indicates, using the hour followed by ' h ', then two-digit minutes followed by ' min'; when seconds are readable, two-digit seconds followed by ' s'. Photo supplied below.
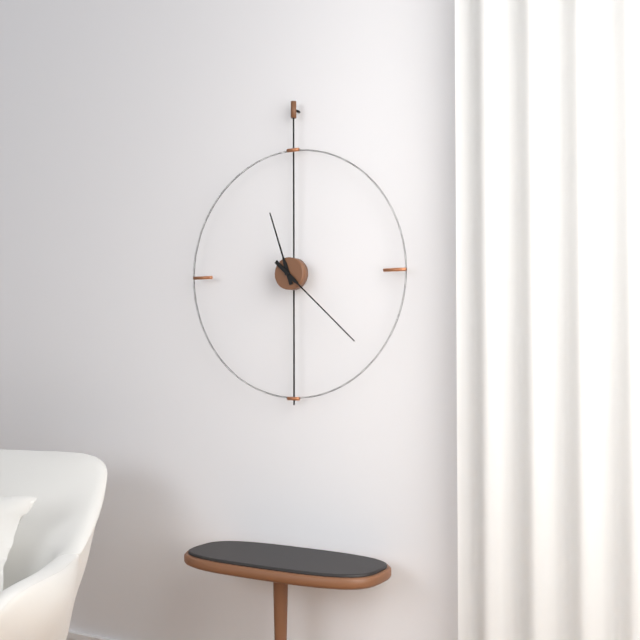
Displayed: 11 h 22 min
